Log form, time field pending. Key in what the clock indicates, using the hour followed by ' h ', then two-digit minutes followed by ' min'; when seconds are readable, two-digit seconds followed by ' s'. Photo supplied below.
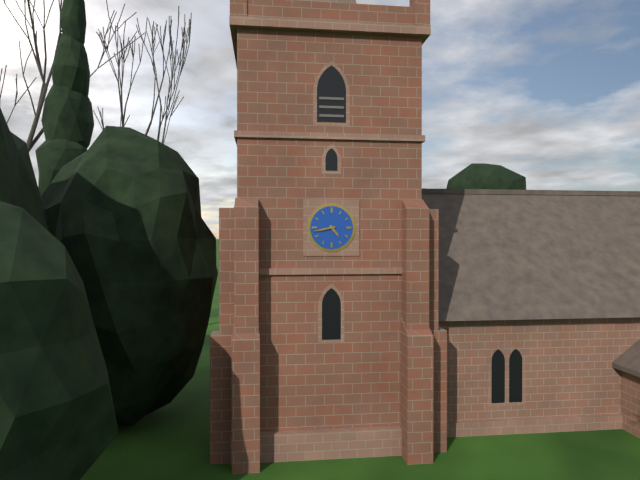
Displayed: 4 h 43 min
